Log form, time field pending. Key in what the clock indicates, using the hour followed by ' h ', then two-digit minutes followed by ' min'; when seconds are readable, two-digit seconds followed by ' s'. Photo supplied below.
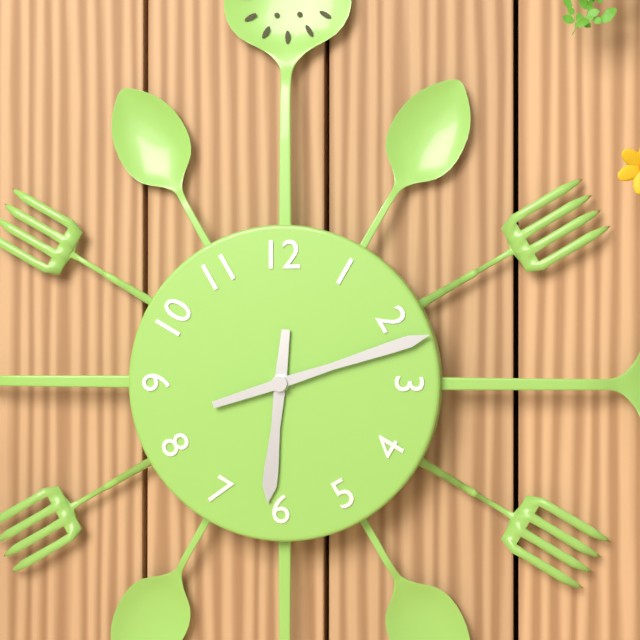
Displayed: 6 h 12 min
